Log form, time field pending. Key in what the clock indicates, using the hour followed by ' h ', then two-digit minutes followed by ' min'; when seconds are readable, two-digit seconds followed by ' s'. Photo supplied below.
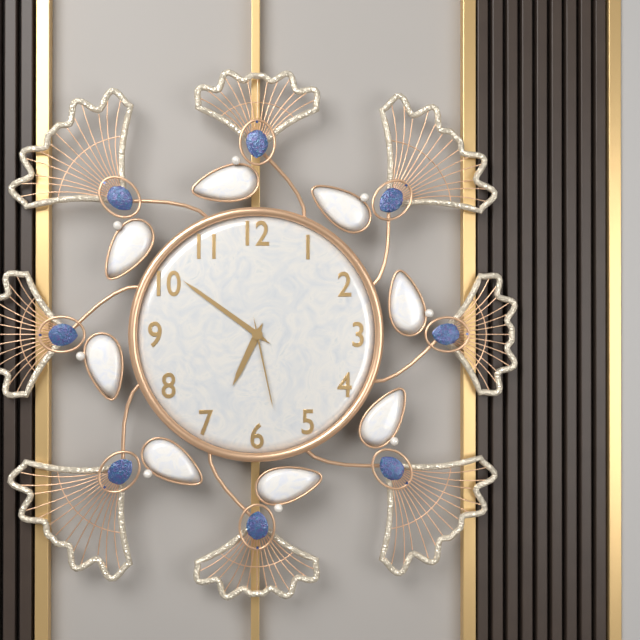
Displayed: 6 h 51 min 28 s
